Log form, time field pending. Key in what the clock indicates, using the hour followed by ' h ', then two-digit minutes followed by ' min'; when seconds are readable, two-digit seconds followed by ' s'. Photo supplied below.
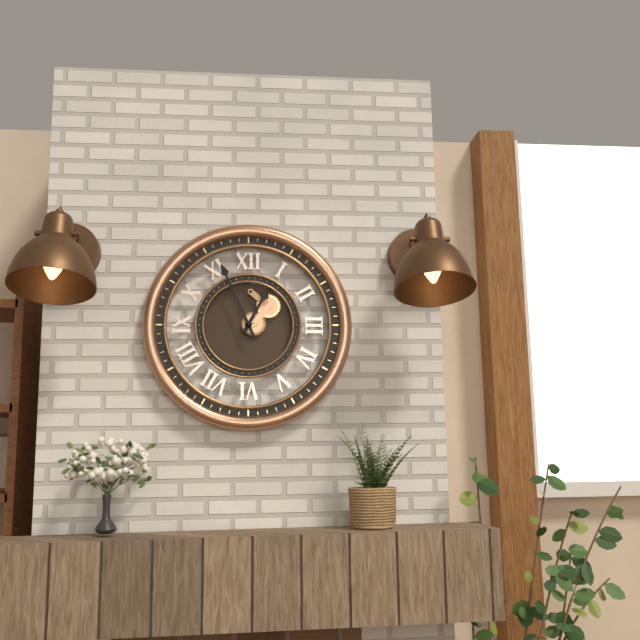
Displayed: 12 h 56 min
